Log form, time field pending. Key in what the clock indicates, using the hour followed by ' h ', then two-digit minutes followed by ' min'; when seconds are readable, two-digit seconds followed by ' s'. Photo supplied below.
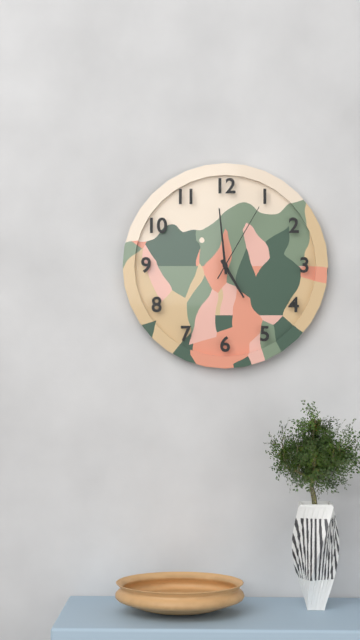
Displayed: 4 h 59 min 05 s
